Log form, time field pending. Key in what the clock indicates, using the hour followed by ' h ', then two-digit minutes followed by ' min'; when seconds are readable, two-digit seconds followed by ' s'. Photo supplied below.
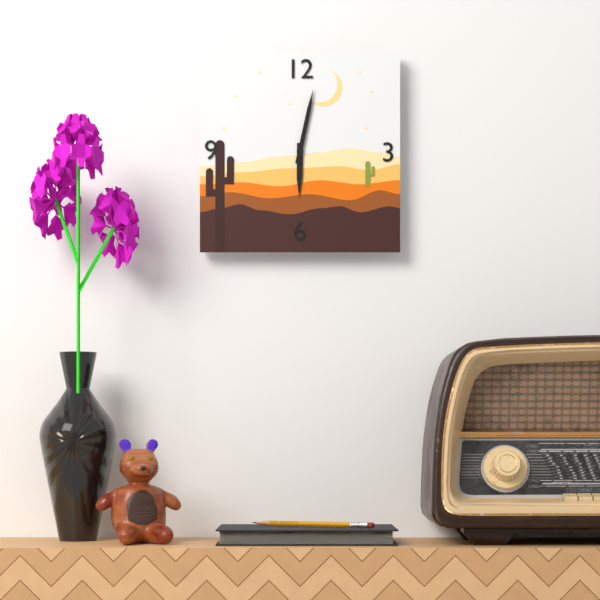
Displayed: 6 h 02 min
